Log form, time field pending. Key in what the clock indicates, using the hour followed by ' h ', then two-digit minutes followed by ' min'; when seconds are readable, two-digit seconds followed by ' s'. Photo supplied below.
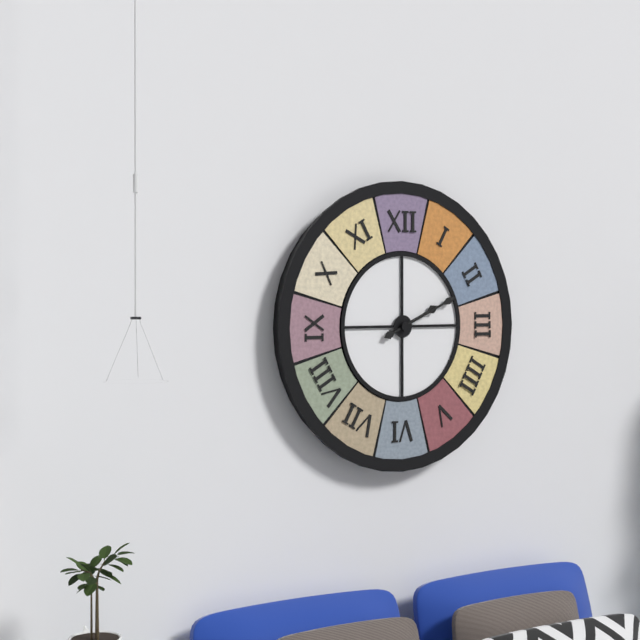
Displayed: 2 h 11 min
